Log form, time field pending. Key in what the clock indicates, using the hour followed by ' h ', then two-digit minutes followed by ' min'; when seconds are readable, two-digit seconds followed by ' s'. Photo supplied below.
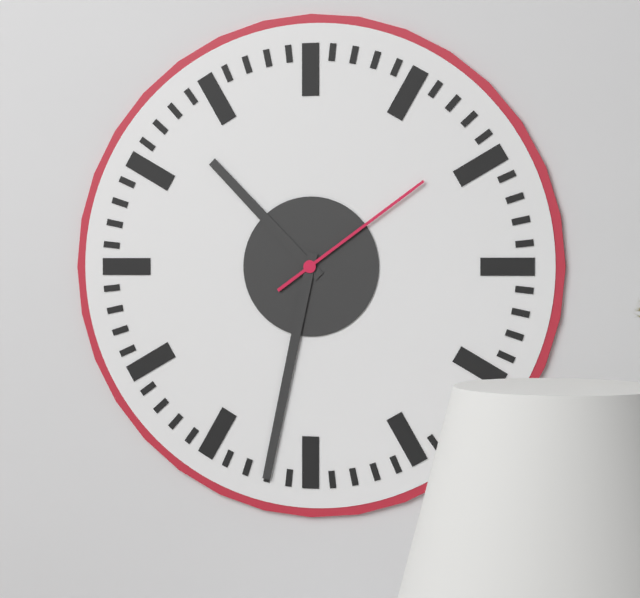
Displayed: 10 h 32 min 09 s
